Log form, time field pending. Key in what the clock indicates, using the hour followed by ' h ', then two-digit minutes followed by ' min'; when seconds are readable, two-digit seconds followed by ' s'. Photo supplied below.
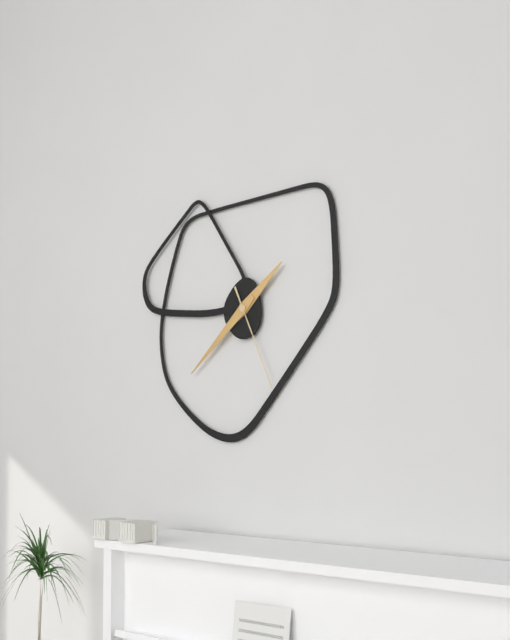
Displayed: 1 h 38 min 26 s
